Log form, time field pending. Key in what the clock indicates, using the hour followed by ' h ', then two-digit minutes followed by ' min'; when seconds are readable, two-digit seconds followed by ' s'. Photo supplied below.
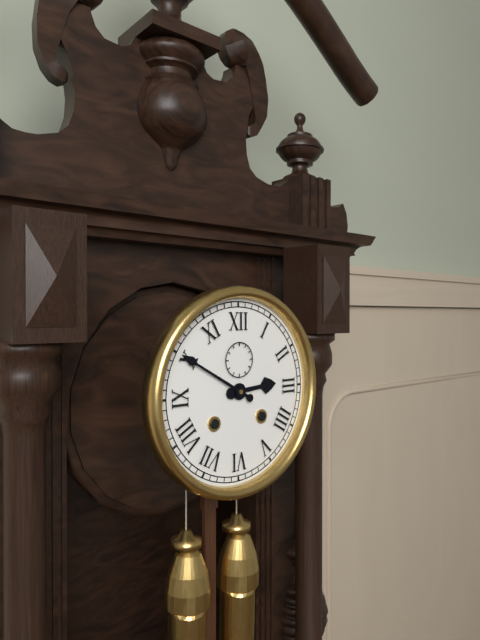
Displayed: 2 h 50 min
